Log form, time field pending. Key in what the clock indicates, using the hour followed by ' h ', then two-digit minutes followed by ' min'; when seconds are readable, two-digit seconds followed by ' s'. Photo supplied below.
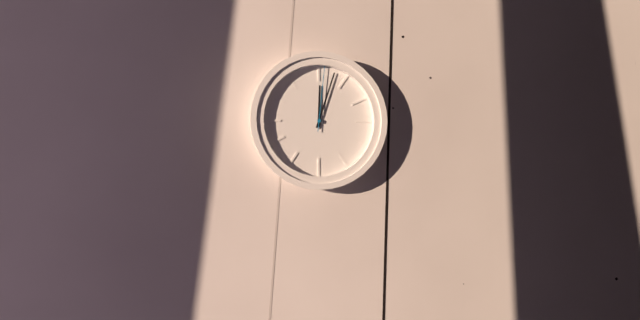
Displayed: 12 h 03 min 01 s
